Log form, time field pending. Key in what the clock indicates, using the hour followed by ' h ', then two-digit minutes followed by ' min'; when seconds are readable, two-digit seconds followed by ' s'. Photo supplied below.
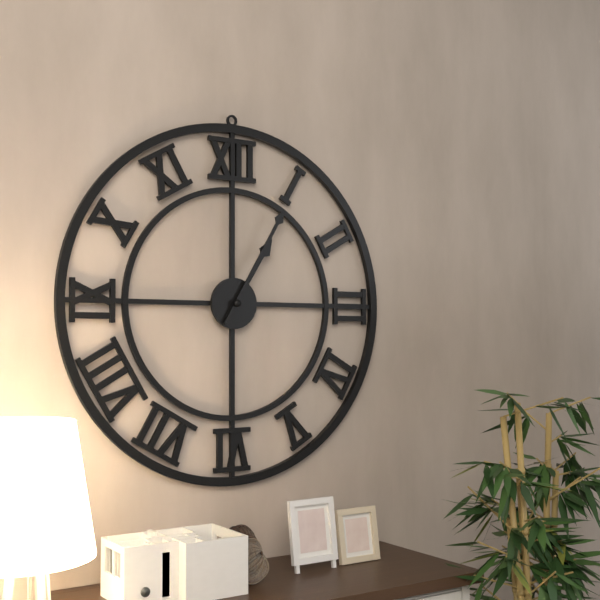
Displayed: 1 h 05 min
